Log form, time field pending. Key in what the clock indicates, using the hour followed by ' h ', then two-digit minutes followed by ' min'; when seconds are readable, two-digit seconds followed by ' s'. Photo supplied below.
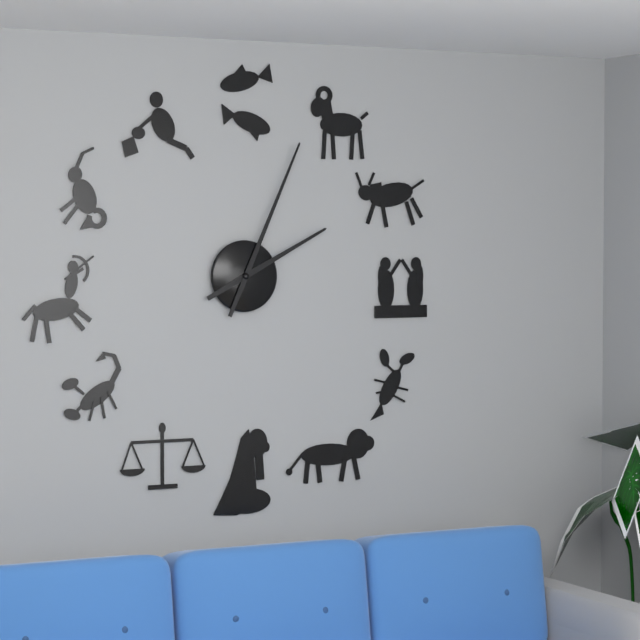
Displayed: 2 h 04 min
